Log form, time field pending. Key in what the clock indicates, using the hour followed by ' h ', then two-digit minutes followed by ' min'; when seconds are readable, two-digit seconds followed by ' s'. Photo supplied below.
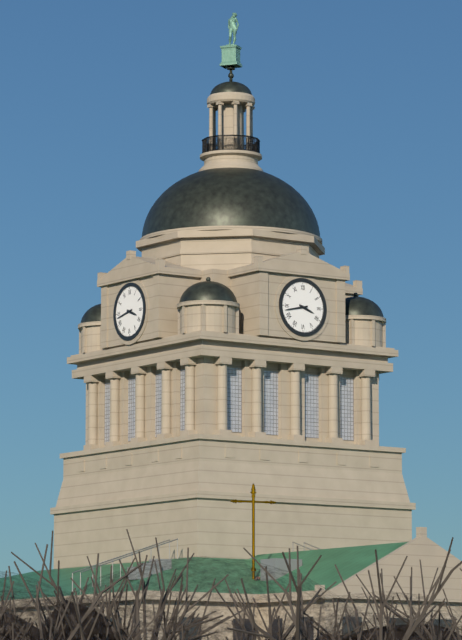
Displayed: 3 h 43 min
